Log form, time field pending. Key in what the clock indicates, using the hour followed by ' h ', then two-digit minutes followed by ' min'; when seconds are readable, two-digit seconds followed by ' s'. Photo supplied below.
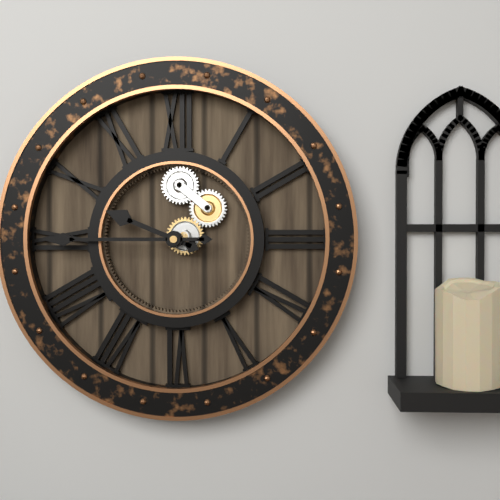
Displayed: 9 h 45 min
